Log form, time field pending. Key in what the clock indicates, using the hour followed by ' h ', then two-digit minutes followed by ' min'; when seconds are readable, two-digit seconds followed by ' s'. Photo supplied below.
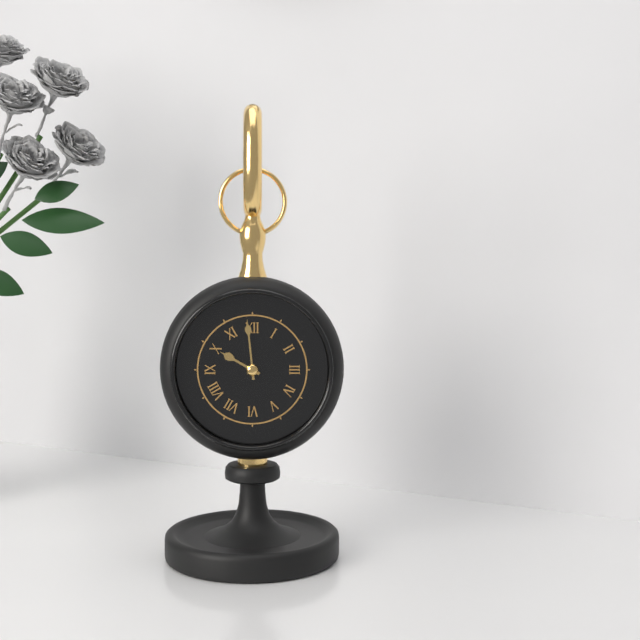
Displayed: 9 h 59 min
